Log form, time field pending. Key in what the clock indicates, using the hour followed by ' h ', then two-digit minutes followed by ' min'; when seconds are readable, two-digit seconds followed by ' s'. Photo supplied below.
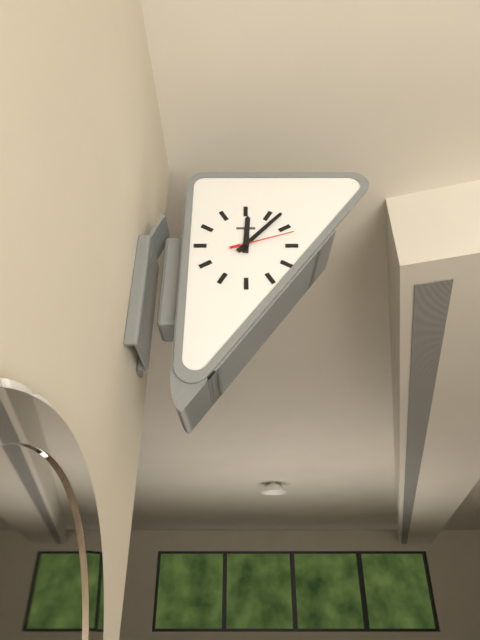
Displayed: 12 h 07 min 12 s
